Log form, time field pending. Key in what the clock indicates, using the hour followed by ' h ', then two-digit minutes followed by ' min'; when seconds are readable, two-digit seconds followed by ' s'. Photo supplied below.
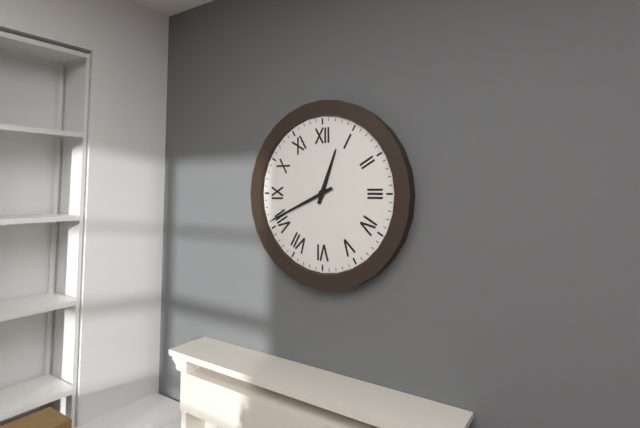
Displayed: 12 h 41 min
